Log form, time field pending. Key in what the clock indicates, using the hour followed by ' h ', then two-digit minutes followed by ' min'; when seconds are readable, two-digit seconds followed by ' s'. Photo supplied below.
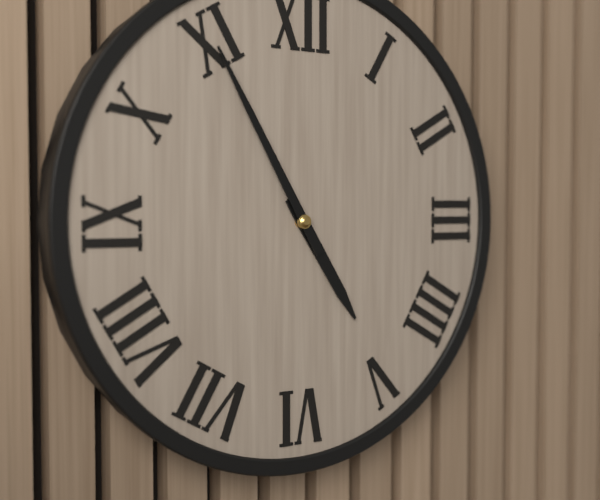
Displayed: 4 h 55 min
